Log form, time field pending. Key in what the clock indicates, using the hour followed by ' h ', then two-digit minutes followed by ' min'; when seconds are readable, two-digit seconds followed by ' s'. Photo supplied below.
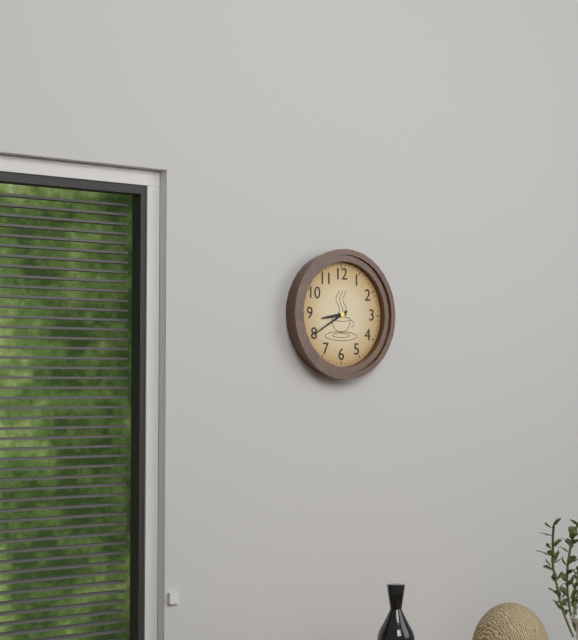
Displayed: 8 h 40 min
